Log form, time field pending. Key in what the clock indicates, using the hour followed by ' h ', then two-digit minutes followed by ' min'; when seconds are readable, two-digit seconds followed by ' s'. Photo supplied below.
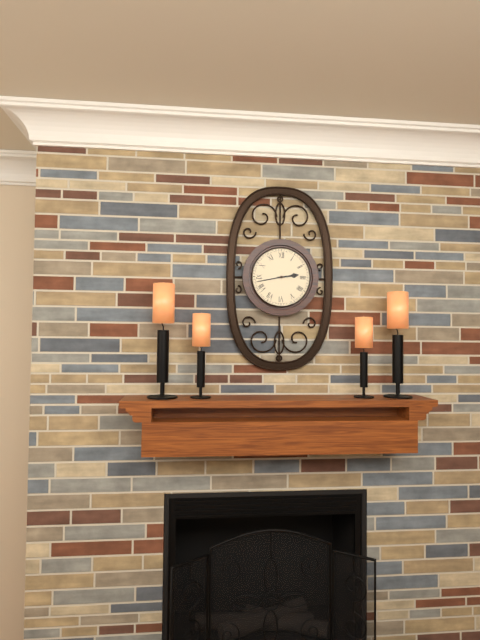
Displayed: 2 h 43 min
